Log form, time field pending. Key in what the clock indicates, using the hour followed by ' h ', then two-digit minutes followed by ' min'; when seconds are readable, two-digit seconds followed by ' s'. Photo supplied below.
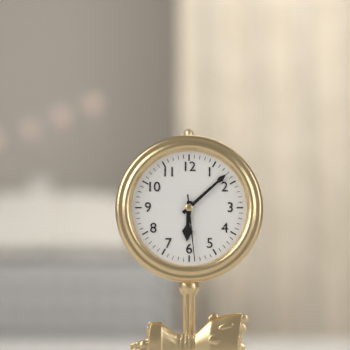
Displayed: 6 h 08 min 29 s
